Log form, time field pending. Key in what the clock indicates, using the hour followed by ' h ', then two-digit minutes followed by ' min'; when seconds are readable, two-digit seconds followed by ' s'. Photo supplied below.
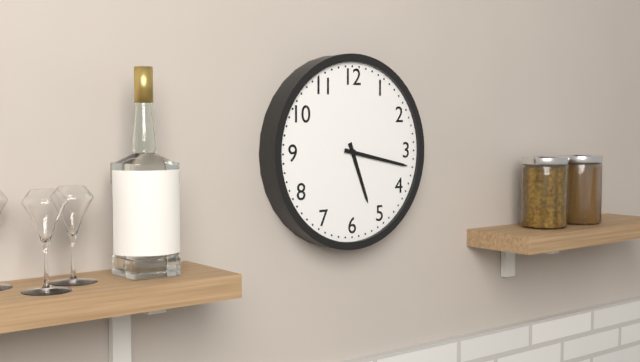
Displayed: 5 h 17 min
